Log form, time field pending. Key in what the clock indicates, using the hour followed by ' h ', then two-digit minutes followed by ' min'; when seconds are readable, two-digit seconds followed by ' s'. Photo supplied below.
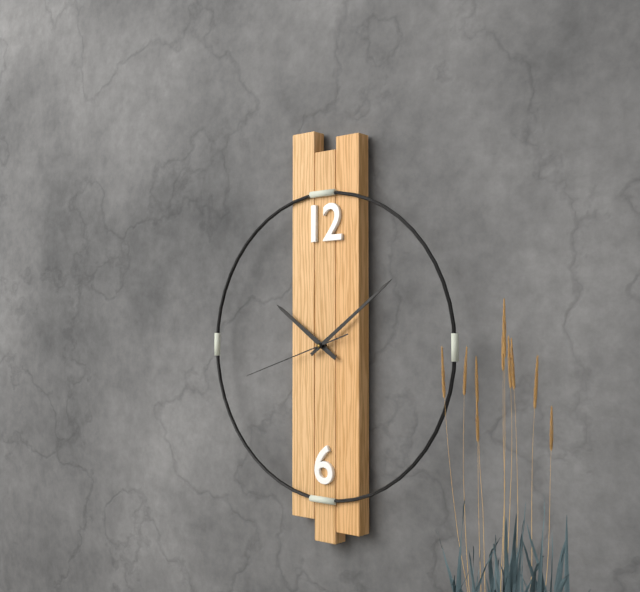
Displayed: 10 h 09 min 42 s
